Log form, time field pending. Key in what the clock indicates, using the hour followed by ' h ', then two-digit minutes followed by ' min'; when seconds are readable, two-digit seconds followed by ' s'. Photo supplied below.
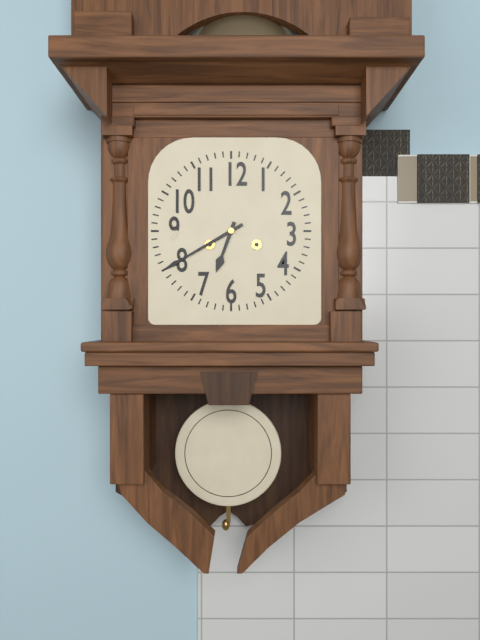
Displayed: 6 h 40 min
